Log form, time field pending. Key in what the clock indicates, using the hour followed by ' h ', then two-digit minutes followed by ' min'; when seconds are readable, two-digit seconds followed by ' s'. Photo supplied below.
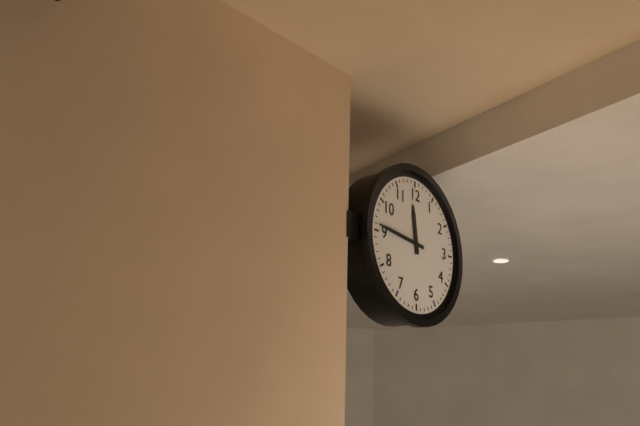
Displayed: 11 h 46 min
